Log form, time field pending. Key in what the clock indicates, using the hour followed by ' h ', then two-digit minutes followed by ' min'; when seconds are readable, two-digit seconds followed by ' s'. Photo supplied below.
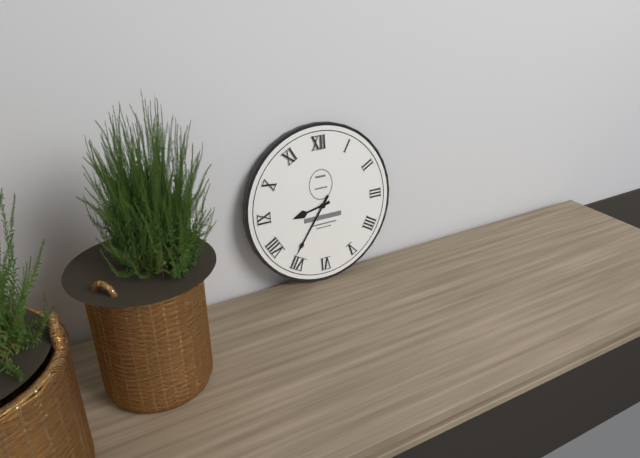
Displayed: 8 h 36 min
